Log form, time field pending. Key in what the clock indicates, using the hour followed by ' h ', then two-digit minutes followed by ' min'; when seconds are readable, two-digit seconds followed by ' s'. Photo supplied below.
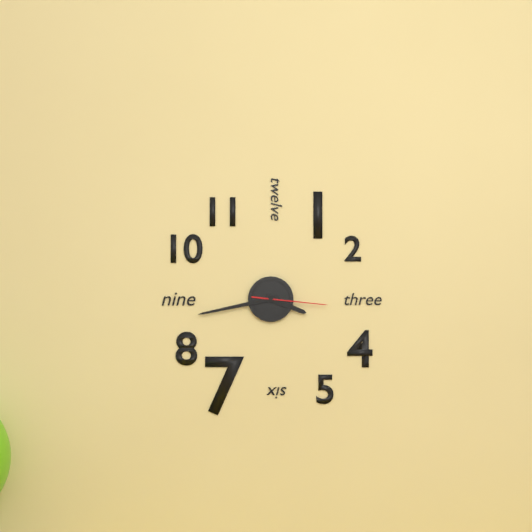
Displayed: 3 h 43 min 16 s
